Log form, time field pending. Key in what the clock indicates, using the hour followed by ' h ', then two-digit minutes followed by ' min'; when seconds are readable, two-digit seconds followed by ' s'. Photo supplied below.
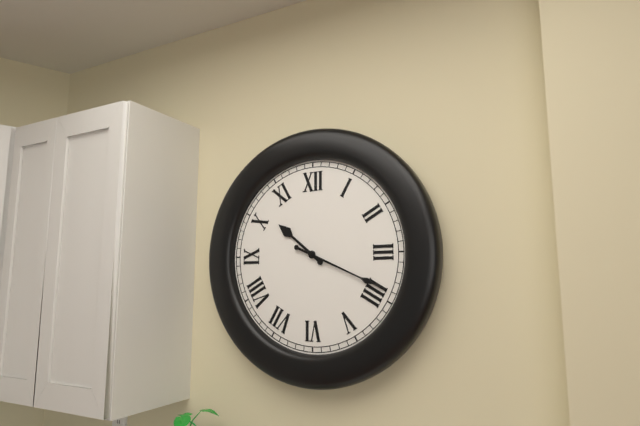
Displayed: 10 h 19 min
